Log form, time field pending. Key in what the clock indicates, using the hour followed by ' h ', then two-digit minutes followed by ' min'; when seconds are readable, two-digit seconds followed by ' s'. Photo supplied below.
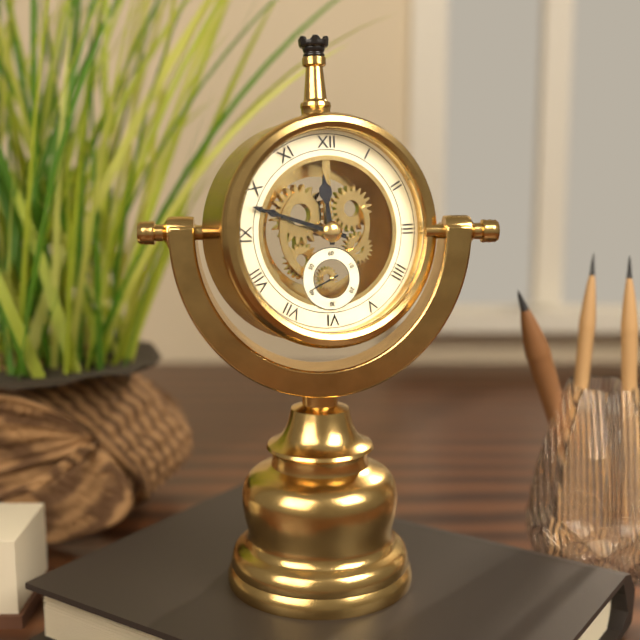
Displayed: 11 h 48 min
